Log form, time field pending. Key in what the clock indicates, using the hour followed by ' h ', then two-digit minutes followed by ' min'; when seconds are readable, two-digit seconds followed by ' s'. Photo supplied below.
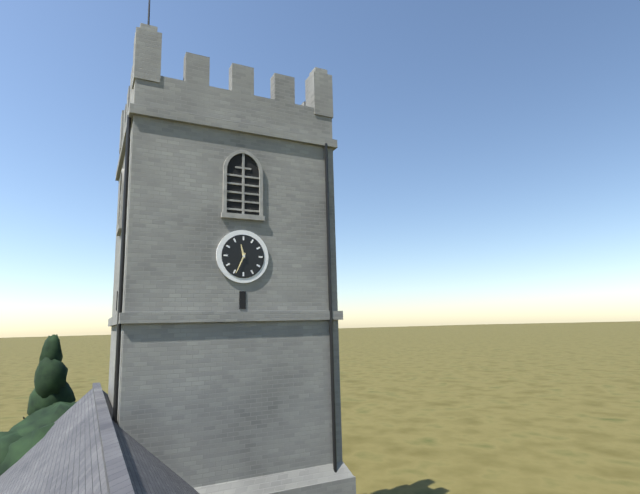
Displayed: 11 h 34 min
